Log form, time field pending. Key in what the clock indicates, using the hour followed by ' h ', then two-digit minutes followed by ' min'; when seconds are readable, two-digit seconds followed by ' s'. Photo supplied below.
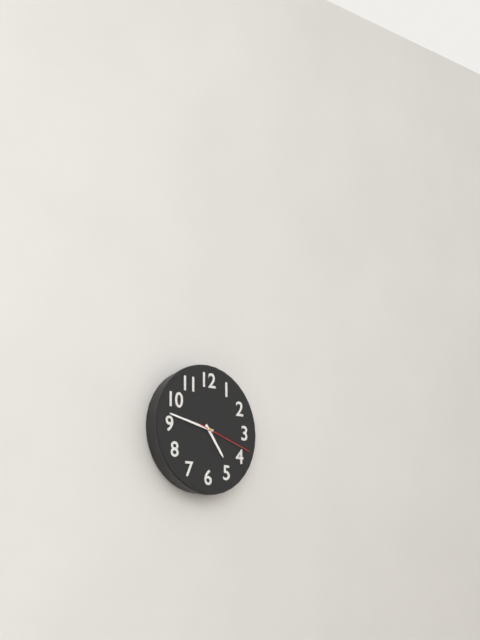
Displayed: 4 h 47 min 18 s
